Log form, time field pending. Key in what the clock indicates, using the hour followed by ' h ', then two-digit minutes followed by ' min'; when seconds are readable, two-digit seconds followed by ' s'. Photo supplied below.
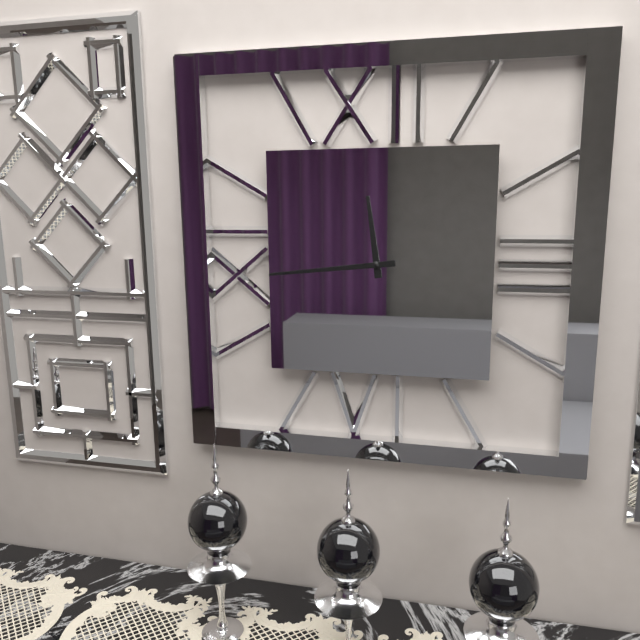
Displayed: 11 h 44 min
